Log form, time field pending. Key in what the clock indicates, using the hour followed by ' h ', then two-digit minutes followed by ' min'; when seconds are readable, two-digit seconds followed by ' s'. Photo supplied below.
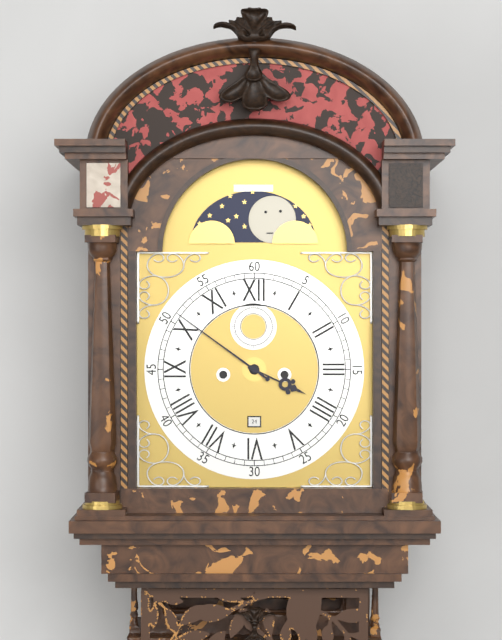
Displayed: 3 h 51 min
